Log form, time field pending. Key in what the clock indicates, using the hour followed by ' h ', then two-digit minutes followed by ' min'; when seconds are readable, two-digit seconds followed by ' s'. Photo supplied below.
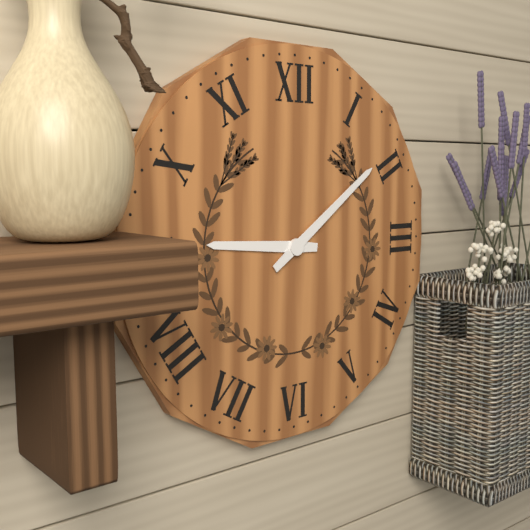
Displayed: 9 h 09 min
